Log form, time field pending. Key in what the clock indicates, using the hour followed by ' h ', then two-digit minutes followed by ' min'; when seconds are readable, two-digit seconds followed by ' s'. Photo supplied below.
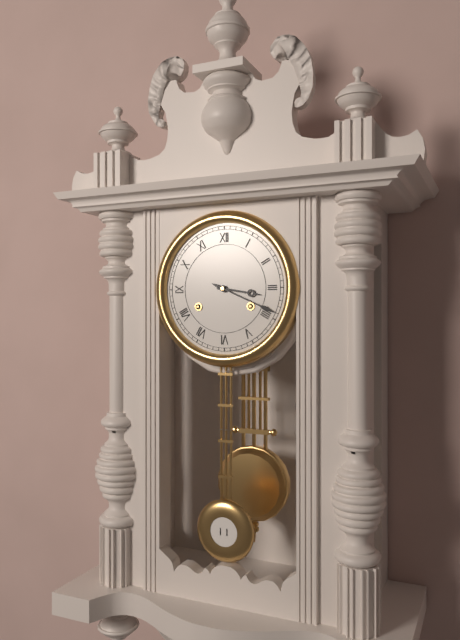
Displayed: 3 h 19 min
